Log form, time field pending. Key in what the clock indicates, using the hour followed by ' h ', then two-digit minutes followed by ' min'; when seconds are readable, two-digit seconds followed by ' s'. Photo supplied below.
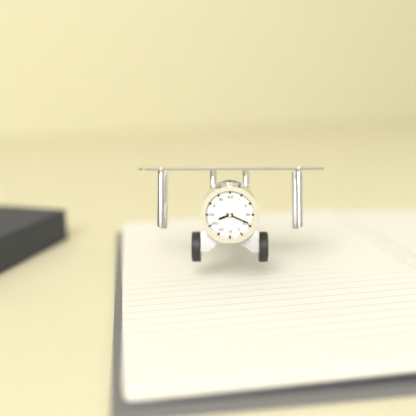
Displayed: 8 h 19 min
